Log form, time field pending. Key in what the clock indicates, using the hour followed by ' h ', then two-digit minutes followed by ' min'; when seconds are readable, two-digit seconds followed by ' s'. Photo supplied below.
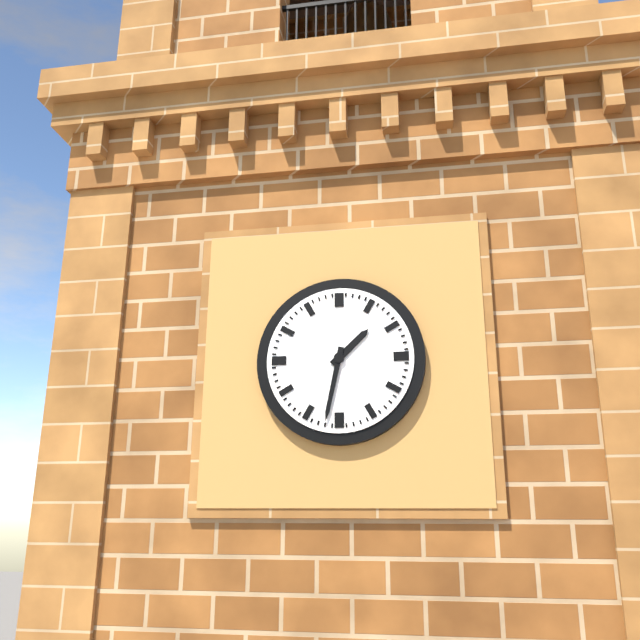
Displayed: 1 h 32 min
